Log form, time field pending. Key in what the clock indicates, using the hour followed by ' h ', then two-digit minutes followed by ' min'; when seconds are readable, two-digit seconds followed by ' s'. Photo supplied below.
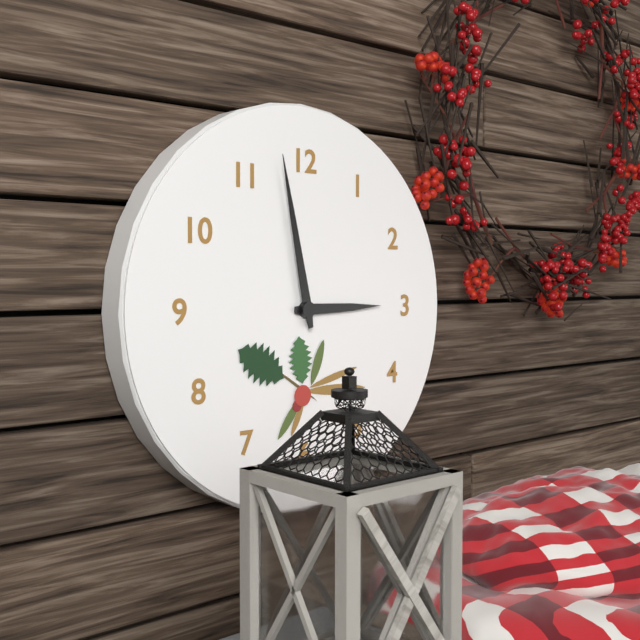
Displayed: 2 h 58 min
